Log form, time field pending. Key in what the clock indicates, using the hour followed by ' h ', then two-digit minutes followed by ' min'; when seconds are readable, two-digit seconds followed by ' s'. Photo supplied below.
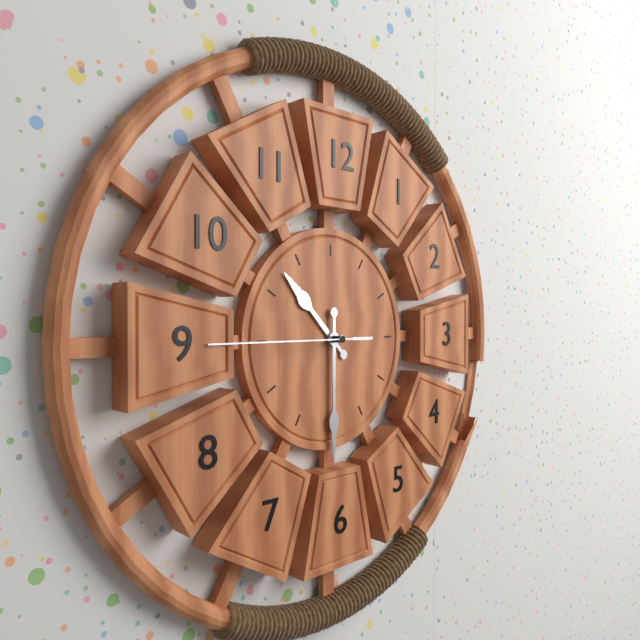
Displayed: 10 h 30 min 45 s
